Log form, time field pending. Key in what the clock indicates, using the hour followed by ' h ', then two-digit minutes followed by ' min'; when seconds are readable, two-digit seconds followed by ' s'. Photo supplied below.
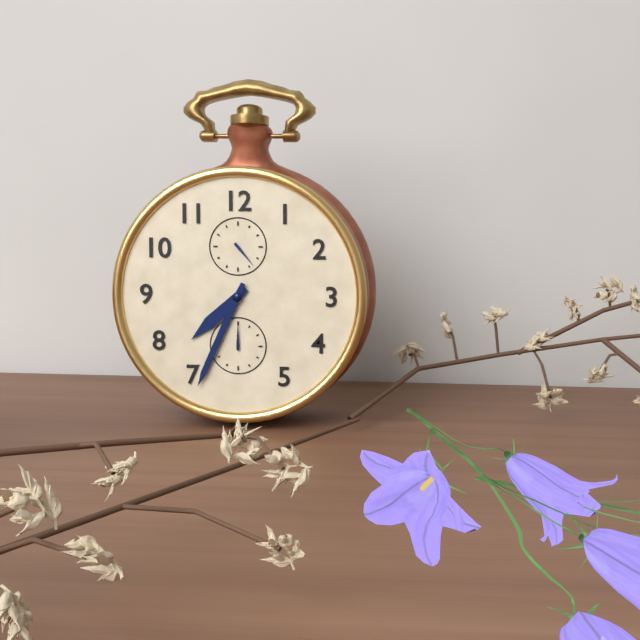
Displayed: 7 h 34 min
